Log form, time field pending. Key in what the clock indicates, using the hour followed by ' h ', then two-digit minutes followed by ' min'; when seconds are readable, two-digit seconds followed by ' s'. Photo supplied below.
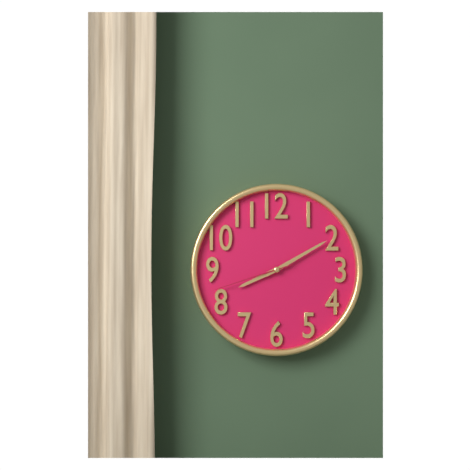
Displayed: 8 h 10 min 42 s
